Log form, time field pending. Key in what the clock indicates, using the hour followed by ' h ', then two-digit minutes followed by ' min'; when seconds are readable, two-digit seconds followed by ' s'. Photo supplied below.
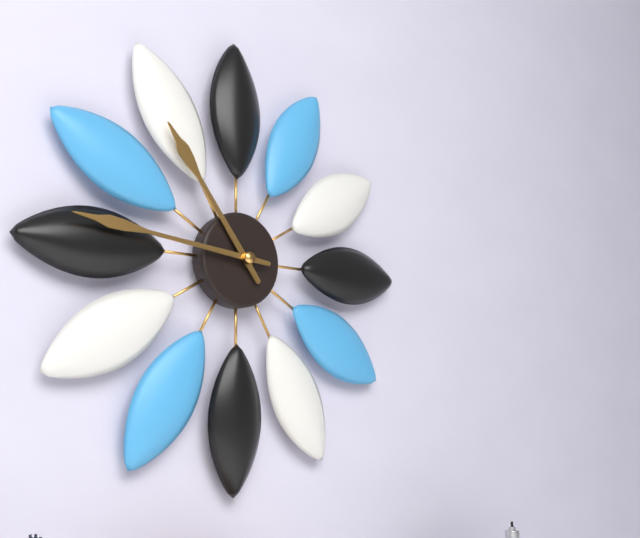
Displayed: 10 h 46 min
